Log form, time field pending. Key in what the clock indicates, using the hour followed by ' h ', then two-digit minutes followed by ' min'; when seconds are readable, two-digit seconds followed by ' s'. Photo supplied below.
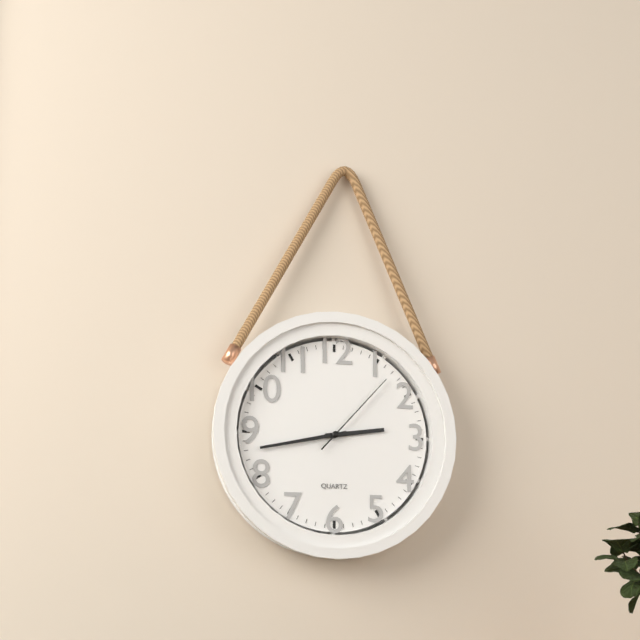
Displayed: 2 h 43 min 07 s
